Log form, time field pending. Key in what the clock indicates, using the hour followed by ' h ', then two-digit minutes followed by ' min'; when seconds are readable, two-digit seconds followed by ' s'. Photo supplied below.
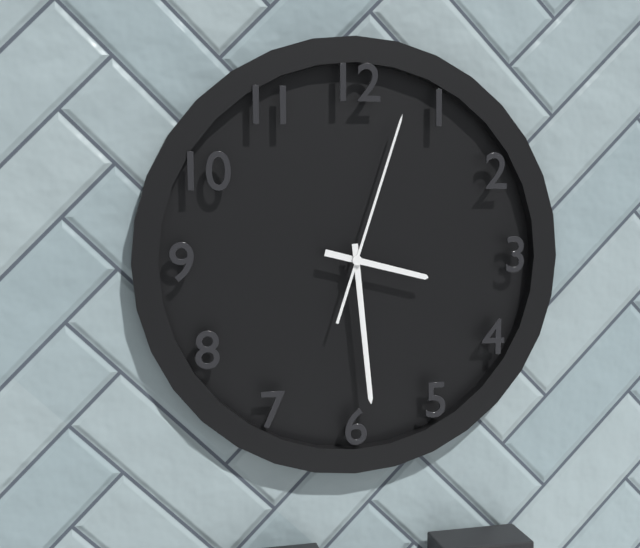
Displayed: 3 h 29 min 03 s
